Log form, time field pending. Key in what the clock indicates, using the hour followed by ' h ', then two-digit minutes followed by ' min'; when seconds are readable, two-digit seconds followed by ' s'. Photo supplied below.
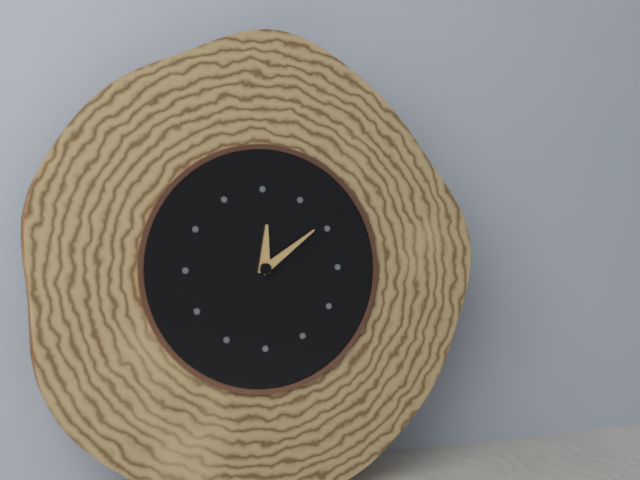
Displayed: 12 h 09 min
